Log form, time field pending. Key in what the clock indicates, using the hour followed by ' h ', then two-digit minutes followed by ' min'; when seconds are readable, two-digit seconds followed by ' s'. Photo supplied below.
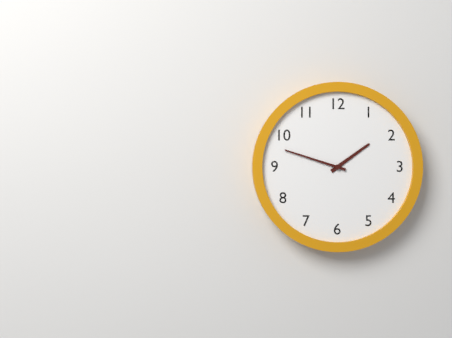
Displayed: 1 h 48 min
